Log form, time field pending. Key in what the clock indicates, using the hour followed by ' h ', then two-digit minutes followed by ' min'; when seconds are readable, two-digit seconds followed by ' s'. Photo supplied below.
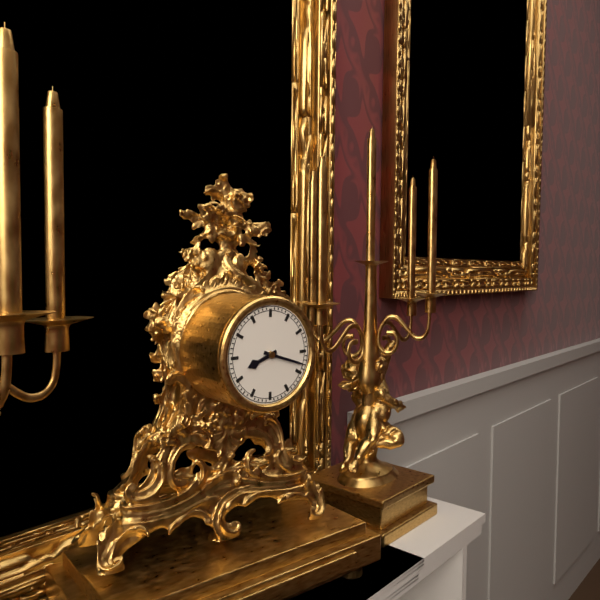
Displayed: 8 h 18 min
